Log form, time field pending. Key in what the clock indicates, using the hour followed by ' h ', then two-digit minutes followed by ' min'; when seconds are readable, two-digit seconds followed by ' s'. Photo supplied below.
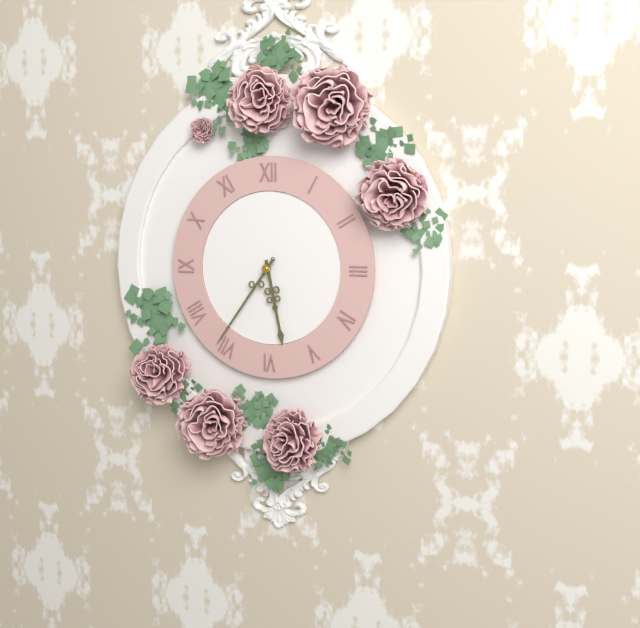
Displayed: 5 h 36 min
